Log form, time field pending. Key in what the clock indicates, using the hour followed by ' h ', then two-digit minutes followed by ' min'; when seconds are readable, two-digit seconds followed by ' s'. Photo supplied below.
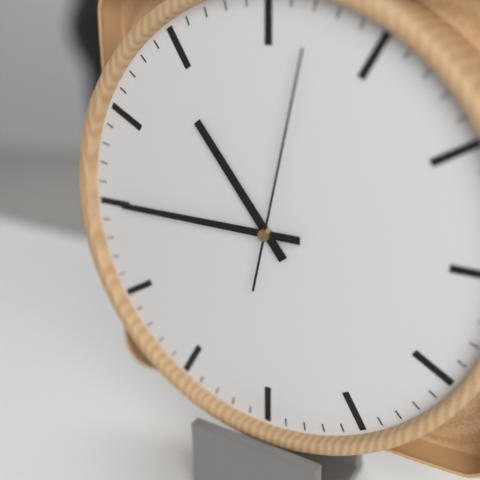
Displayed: 10 h 45 min 02 s
